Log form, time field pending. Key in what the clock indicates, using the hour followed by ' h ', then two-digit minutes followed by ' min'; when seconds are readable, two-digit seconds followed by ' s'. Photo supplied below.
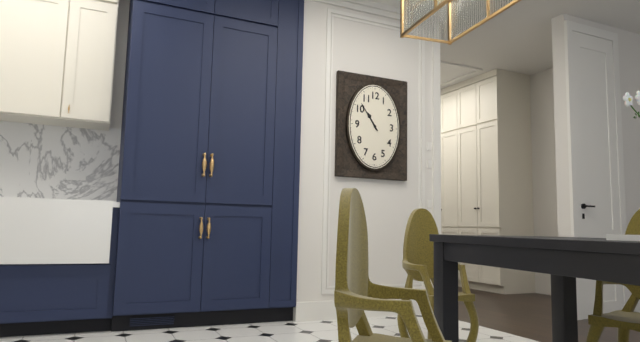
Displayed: 10 h 54 min
